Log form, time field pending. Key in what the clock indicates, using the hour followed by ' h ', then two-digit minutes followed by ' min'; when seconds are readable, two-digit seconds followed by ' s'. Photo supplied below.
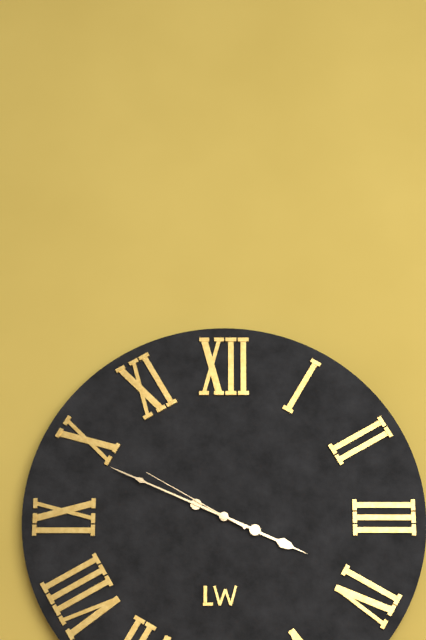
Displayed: 3 h 49 min 50 s
